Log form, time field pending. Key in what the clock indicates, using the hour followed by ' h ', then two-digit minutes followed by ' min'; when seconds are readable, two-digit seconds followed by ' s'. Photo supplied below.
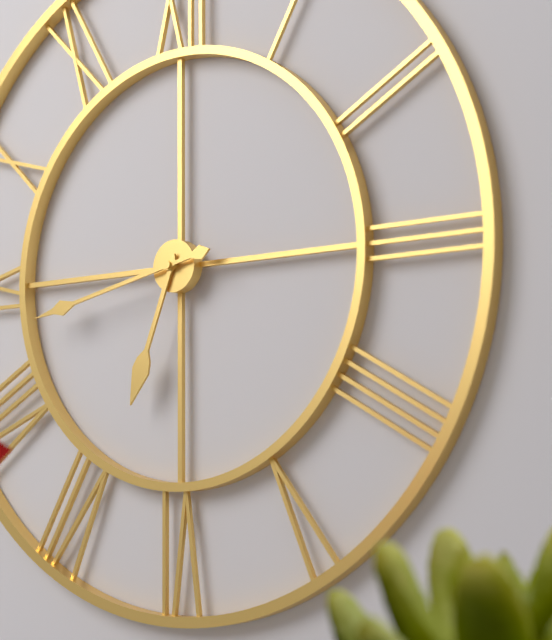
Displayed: 6 h 43 min
